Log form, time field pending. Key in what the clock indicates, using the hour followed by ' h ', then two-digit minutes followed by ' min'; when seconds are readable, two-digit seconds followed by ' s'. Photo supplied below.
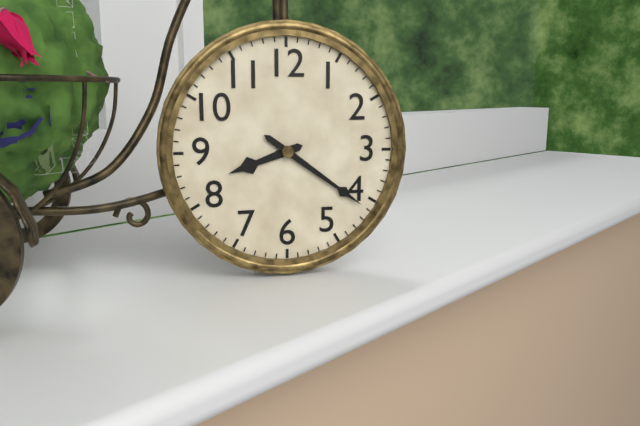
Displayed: 8 h 21 min
